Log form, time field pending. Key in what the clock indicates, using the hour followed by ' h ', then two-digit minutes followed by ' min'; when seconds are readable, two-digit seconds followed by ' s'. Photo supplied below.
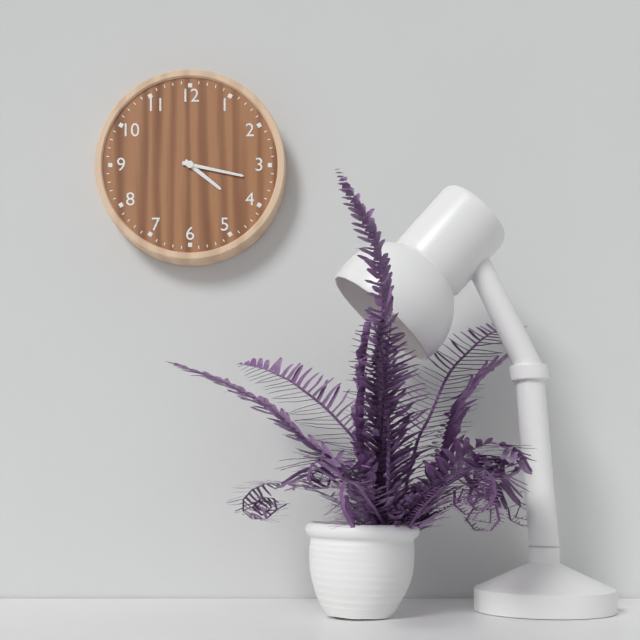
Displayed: 4 h 17 min
